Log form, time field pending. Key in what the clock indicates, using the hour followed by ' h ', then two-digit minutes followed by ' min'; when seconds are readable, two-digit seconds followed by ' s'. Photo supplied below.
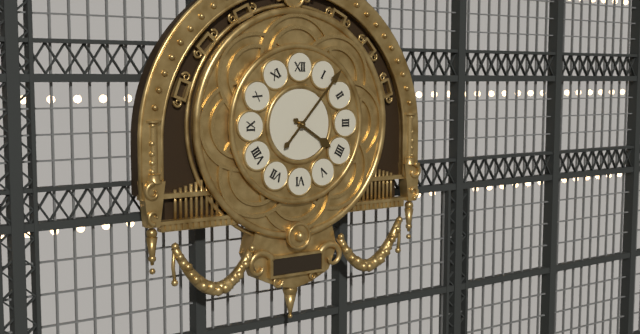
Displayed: 4 h 07 min
